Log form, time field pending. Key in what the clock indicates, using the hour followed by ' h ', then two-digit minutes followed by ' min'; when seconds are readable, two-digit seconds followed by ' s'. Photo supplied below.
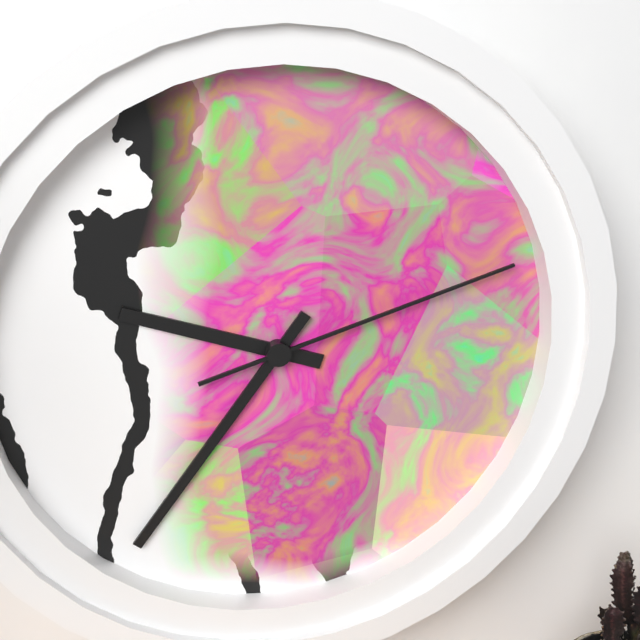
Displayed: 9 h 36 min 12 s
